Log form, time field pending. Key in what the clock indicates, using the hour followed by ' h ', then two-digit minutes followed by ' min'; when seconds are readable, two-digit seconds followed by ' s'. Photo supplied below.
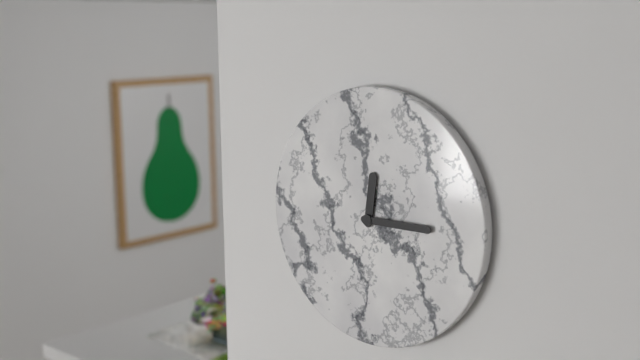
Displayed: 12 h 15 min
